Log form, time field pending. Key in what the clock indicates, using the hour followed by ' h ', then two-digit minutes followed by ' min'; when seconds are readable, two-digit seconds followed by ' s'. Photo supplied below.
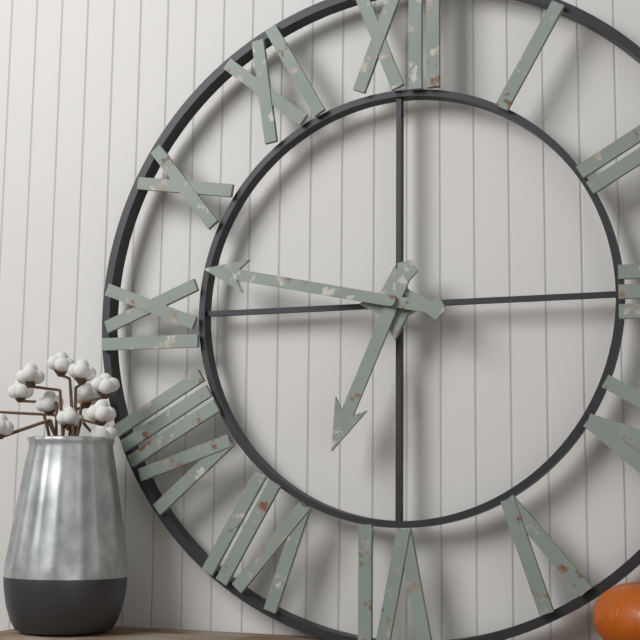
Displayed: 6 h 47 min
